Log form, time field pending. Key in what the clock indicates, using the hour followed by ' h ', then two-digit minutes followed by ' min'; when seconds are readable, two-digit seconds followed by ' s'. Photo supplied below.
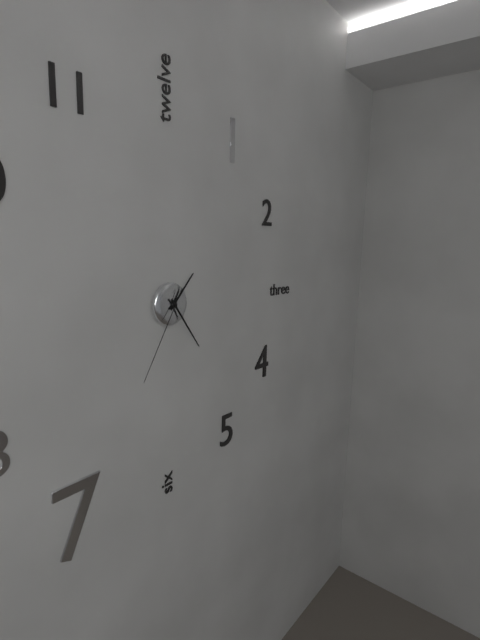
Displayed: 1 h 24 min 35 s
